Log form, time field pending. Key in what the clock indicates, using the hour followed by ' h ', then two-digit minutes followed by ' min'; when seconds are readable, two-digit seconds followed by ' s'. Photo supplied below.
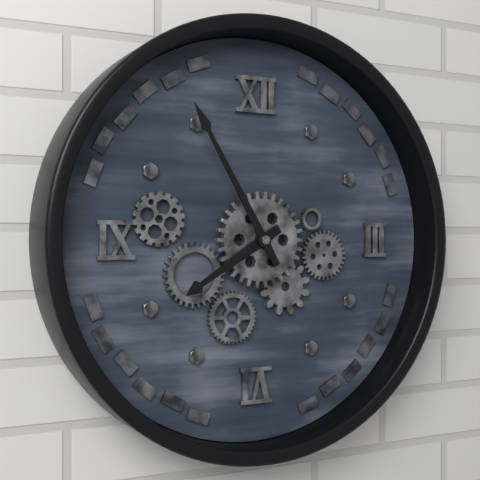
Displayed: 7 h 55 min
